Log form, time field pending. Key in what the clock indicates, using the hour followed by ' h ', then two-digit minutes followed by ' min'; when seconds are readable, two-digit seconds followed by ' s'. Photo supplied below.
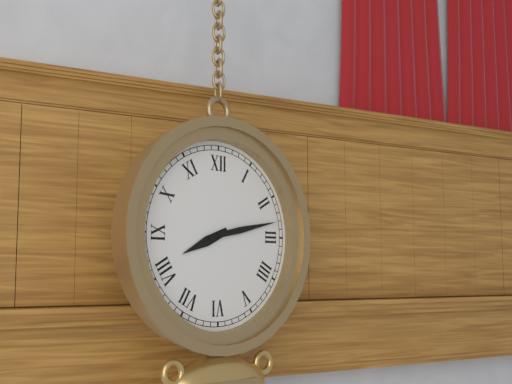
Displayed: 8 h 13 min
